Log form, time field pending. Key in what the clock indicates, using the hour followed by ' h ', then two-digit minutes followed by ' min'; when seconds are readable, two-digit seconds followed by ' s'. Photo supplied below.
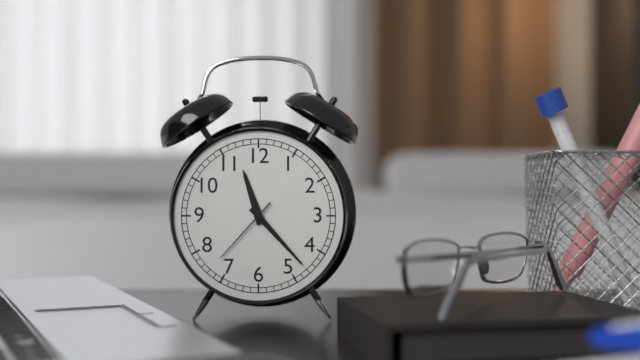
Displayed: 11 h 23 min 37 s
